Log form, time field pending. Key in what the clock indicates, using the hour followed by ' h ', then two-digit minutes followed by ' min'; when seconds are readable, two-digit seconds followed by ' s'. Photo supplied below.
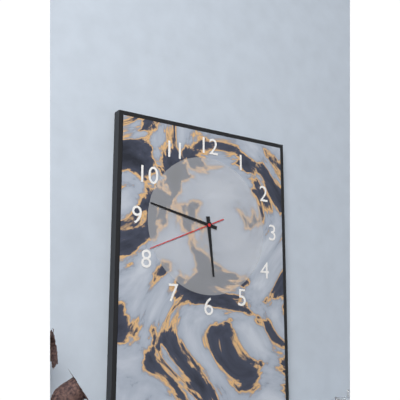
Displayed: 5 h 47 min 41 s
